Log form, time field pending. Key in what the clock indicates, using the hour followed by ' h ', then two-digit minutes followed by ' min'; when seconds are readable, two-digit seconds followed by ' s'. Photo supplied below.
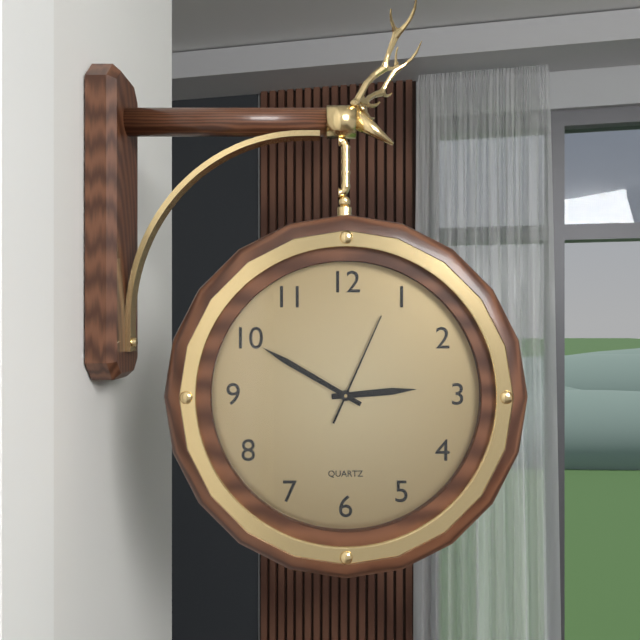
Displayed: 2 h 50 min 04 s
